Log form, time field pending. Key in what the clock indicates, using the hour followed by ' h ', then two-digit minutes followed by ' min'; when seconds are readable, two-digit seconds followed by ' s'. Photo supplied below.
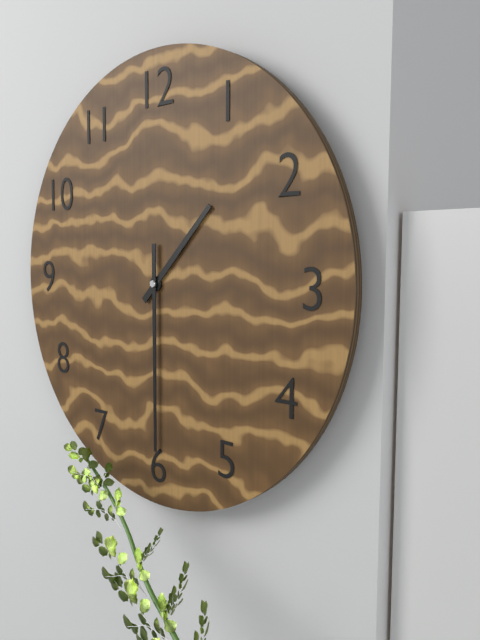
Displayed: 1 h 30 min
